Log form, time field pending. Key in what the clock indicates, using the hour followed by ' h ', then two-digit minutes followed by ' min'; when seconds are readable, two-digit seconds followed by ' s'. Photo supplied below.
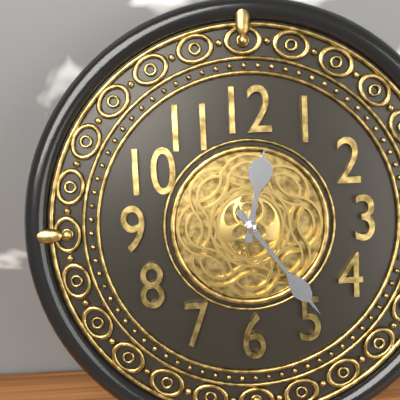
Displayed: 12 h 24 min
